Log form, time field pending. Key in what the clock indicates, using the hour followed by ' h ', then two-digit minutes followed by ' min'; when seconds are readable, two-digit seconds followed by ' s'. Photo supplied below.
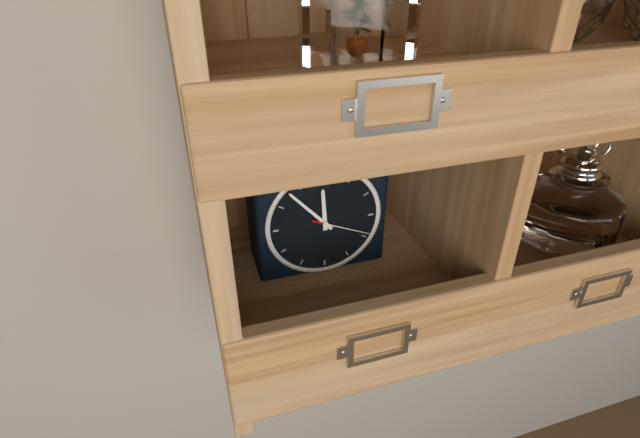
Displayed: 11 h 53 min 19 s
